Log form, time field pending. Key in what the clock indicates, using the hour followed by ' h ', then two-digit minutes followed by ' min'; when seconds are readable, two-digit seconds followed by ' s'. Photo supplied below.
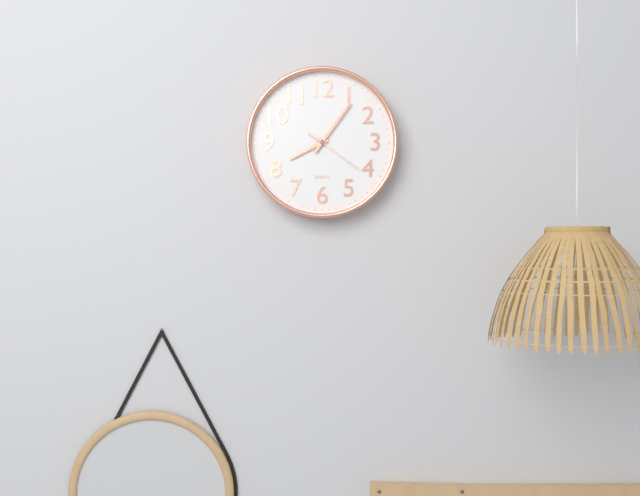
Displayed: 8 h 06 min 21 s
